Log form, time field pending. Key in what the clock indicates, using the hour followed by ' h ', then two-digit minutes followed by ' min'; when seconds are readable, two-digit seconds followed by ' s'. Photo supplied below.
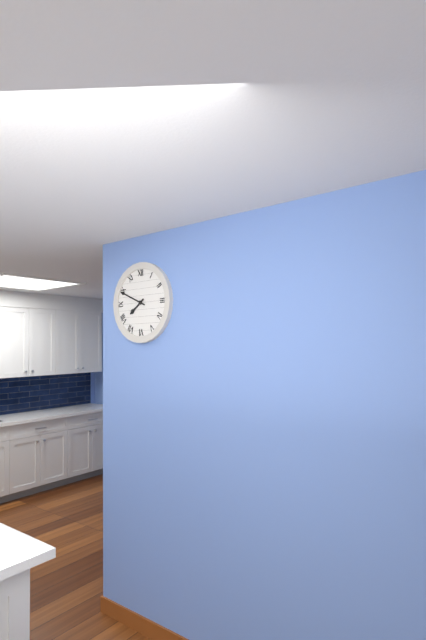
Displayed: 7 h 49 min
